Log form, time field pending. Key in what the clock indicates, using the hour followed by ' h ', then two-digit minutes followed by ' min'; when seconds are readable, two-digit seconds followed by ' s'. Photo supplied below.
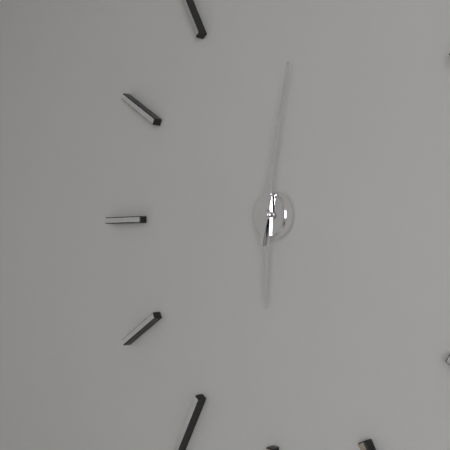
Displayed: 6 h 02 min
